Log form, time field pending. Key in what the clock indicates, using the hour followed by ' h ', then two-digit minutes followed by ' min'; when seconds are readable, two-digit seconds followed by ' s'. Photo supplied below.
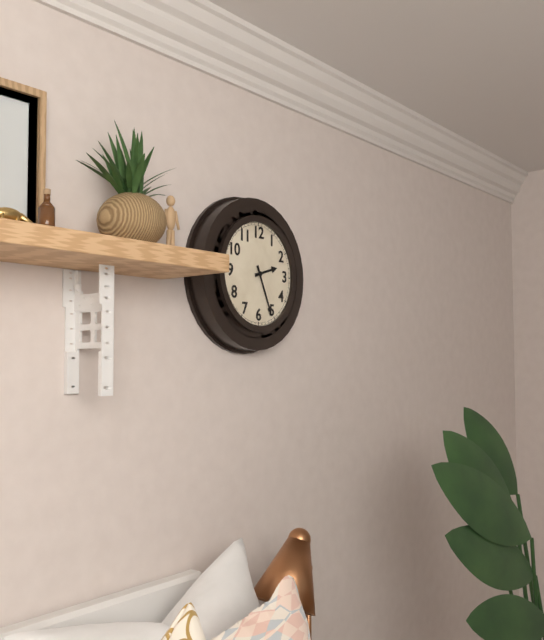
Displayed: 2 h 26 min
